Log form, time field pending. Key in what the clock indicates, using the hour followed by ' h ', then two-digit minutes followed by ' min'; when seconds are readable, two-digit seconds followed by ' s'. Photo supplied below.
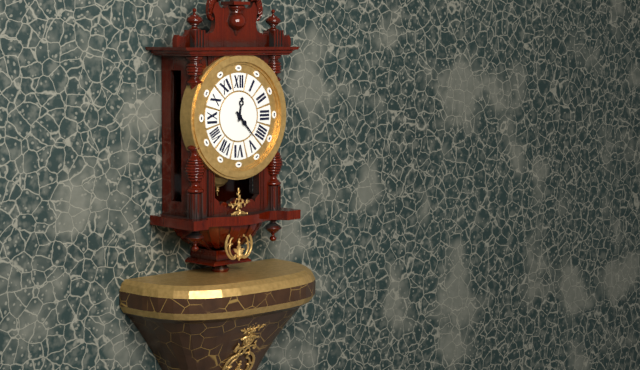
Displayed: 12 h 23 min
